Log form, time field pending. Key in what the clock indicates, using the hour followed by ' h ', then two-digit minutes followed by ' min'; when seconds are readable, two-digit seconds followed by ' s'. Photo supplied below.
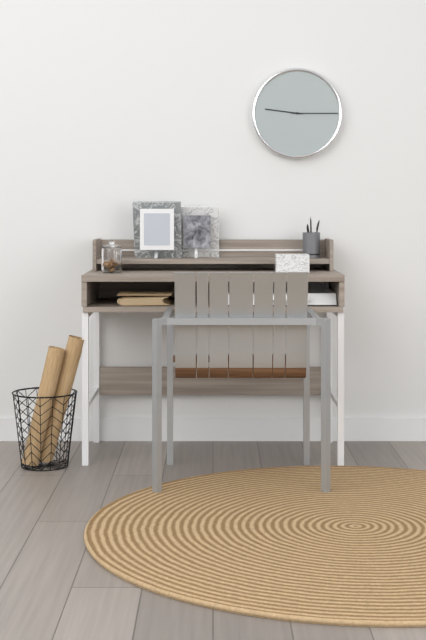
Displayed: 9 h 15 min
